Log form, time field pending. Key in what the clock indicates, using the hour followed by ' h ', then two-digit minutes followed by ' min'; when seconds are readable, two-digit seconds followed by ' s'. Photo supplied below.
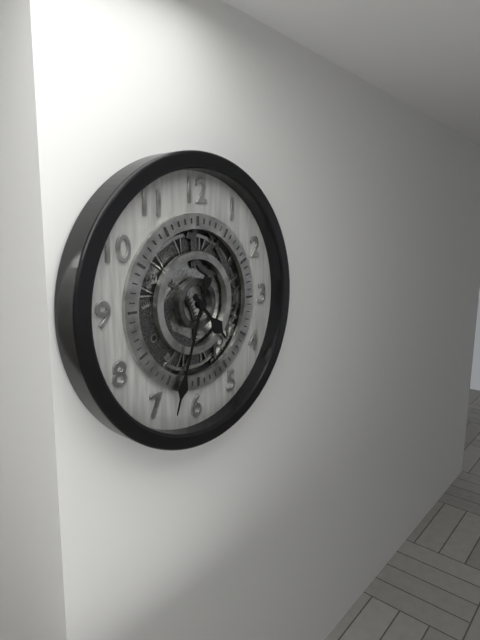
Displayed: 4 h 33 min
